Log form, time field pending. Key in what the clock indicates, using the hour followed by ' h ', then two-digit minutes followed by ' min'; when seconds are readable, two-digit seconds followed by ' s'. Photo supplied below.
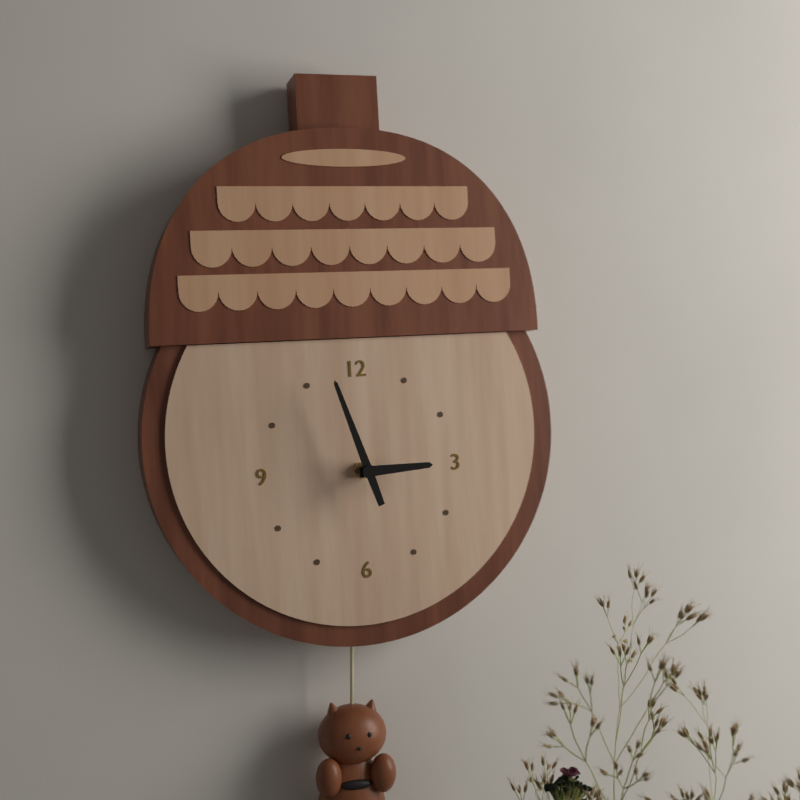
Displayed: 2 h 57 min
